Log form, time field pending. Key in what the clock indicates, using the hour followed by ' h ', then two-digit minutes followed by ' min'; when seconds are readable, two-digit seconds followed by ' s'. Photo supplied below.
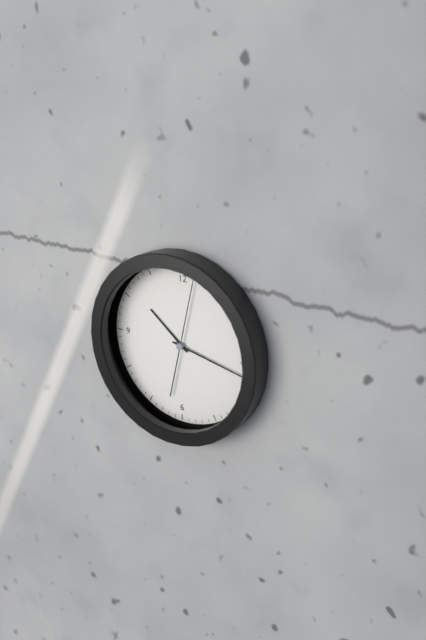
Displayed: 10 h 17 min 02 s
